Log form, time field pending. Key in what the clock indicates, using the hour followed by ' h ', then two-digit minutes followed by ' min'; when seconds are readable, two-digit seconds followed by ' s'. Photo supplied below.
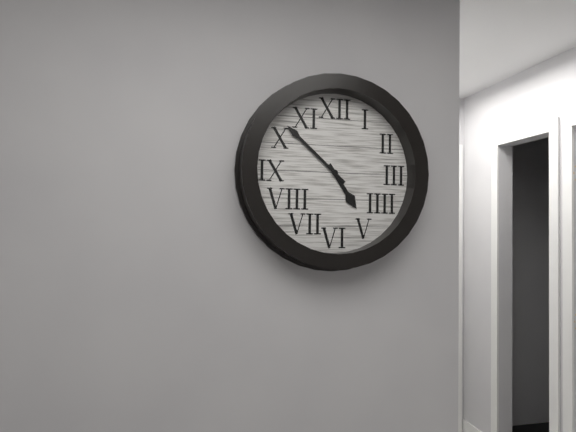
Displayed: 4 h 52 min
